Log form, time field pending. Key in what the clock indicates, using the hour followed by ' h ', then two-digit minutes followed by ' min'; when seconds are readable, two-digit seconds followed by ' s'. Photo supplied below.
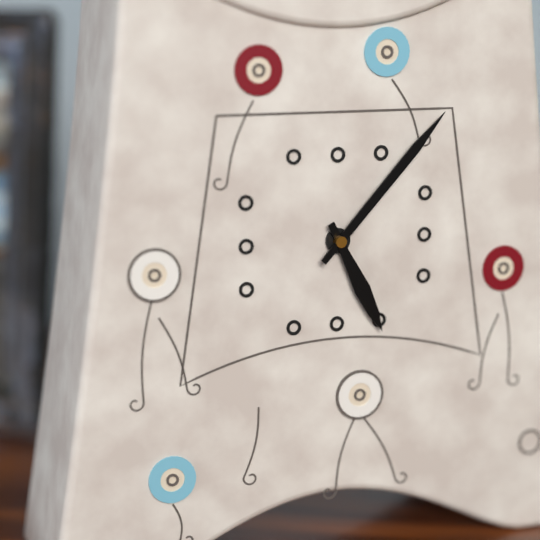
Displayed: 5 h 07 min
